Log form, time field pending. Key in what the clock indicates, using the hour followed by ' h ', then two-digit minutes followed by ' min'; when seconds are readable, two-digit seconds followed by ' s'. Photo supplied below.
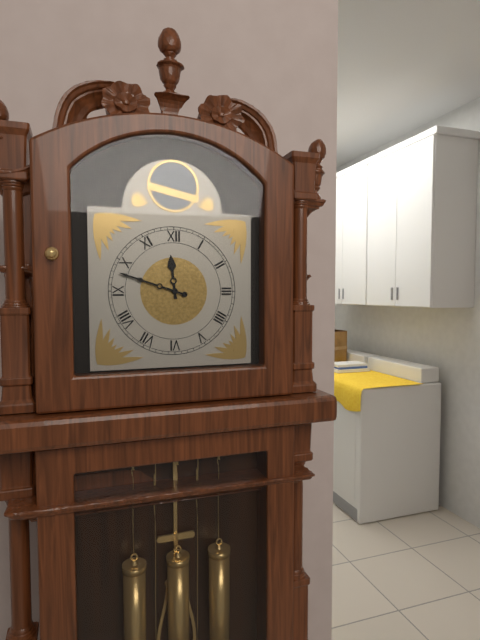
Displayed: 11 h 48 min
